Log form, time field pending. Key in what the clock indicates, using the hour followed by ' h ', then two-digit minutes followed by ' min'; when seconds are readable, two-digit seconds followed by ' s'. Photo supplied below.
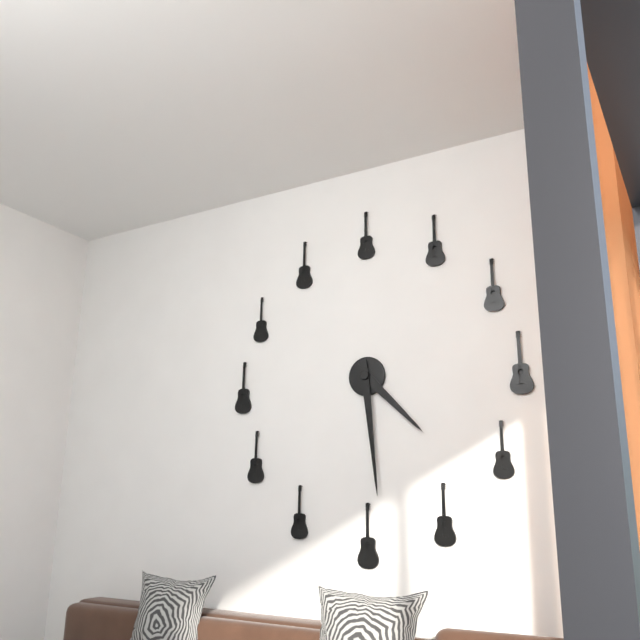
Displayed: 4 h 29 min
